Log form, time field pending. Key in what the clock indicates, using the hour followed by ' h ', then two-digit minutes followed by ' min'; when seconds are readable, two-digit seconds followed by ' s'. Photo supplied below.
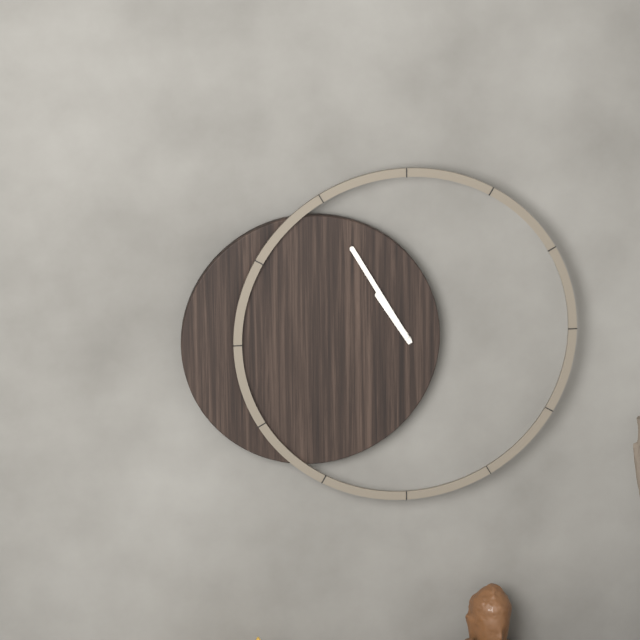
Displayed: 10 h 55 min
